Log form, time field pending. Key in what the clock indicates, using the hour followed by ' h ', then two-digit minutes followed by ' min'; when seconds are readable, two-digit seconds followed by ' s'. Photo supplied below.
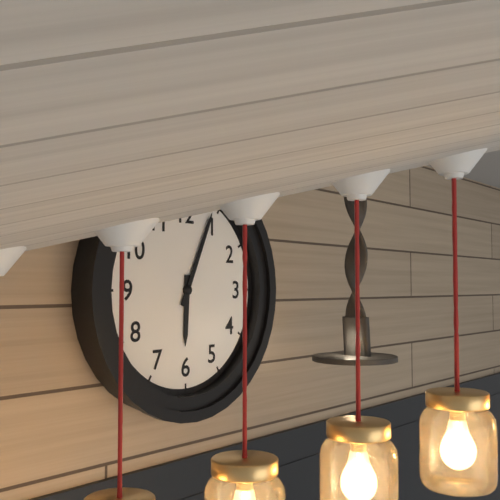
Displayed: 6 h 04 min
